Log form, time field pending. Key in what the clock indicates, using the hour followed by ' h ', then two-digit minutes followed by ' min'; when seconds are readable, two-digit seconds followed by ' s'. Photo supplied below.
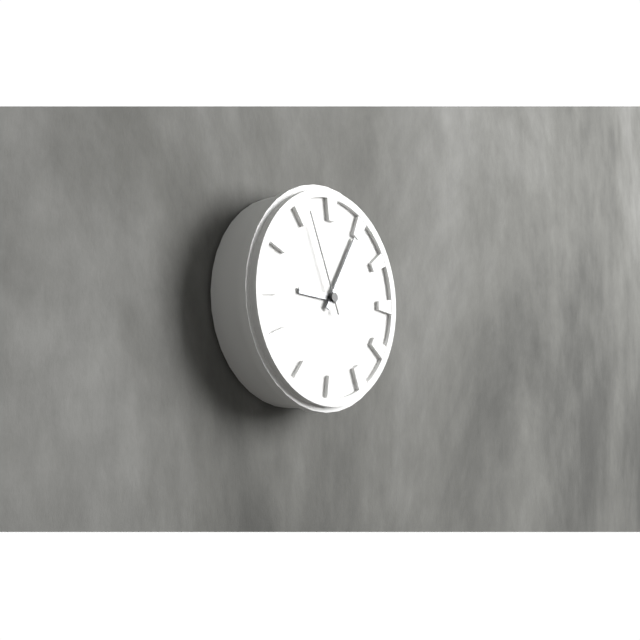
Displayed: 9 h 05 min 56 s
